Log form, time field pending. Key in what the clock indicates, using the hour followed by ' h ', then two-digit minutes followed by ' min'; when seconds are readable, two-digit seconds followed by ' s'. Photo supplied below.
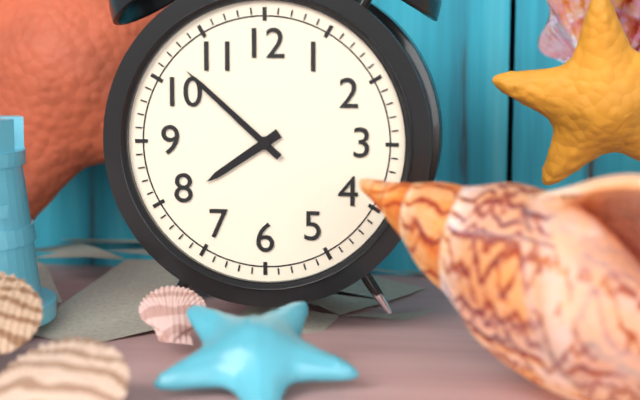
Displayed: 7 h 52 min
